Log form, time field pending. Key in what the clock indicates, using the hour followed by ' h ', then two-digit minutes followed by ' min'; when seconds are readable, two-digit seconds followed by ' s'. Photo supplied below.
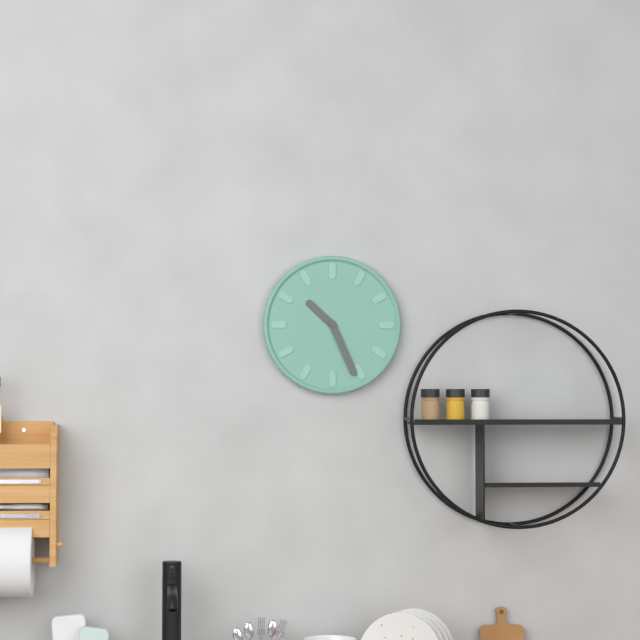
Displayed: 10 h 26 min
